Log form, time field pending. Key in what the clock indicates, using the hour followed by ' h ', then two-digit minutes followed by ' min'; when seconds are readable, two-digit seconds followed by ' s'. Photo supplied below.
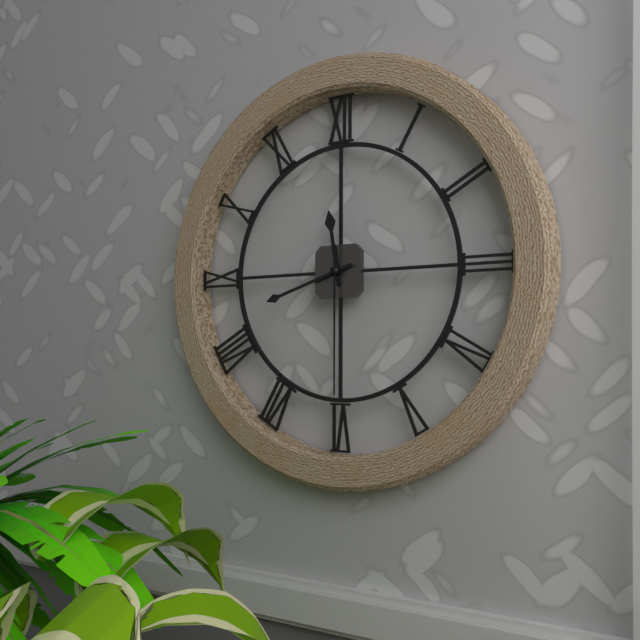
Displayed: 11 h 42 min 30 s
